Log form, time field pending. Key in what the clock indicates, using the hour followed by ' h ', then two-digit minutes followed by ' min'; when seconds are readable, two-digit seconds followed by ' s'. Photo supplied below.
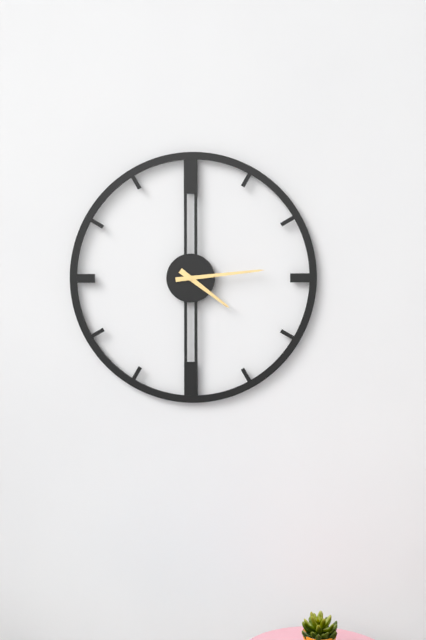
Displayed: 4 h 14 min
